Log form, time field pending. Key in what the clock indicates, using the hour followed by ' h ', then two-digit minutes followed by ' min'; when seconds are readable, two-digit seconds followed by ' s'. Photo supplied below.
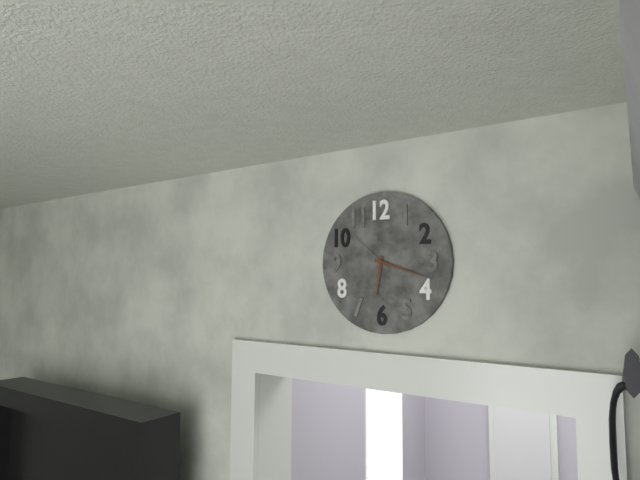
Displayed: 6 h 18 min 52 s
